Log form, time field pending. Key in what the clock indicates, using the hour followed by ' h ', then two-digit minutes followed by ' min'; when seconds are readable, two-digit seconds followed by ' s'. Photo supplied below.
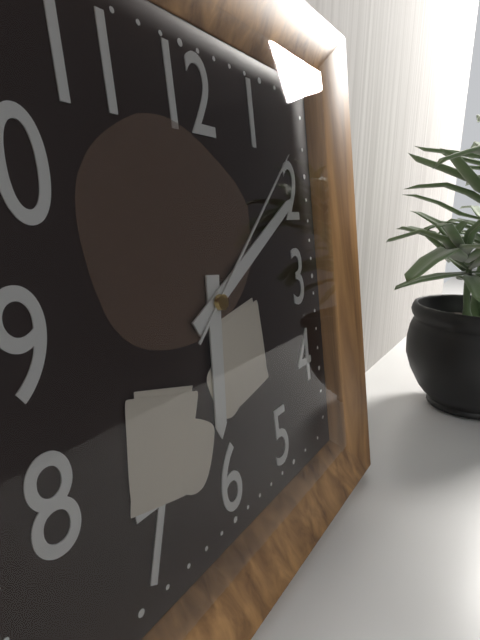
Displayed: 6 h 10 min 08 s
